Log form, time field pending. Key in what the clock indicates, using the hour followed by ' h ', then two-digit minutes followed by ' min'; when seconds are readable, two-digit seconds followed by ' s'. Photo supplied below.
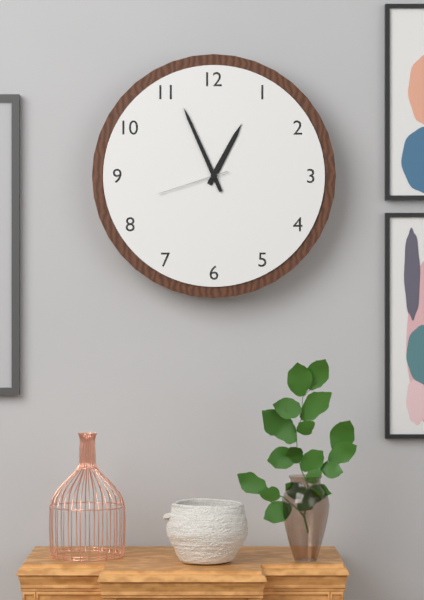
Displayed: 12 h 56 min 42 s
